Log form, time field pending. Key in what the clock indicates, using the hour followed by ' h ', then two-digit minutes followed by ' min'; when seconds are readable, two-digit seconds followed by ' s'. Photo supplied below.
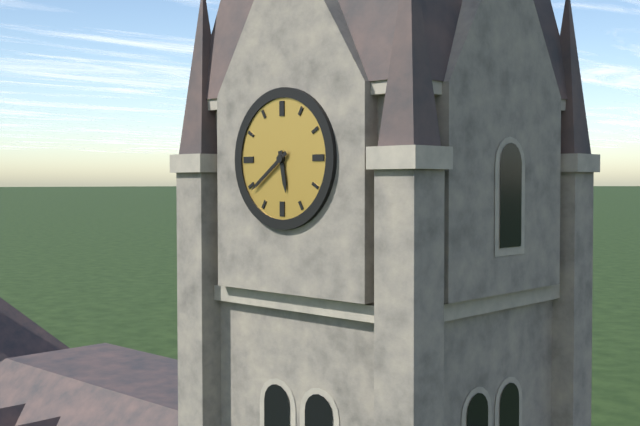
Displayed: 5 h 39 min
